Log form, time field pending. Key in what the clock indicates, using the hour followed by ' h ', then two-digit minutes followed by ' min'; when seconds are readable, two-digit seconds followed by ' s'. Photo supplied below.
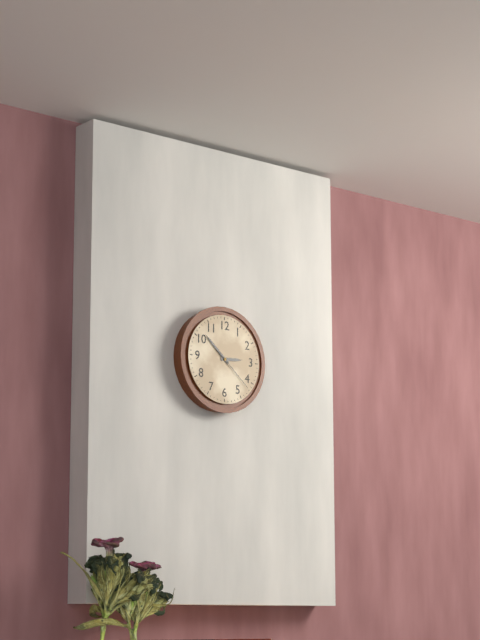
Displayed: 2 h 52 min
